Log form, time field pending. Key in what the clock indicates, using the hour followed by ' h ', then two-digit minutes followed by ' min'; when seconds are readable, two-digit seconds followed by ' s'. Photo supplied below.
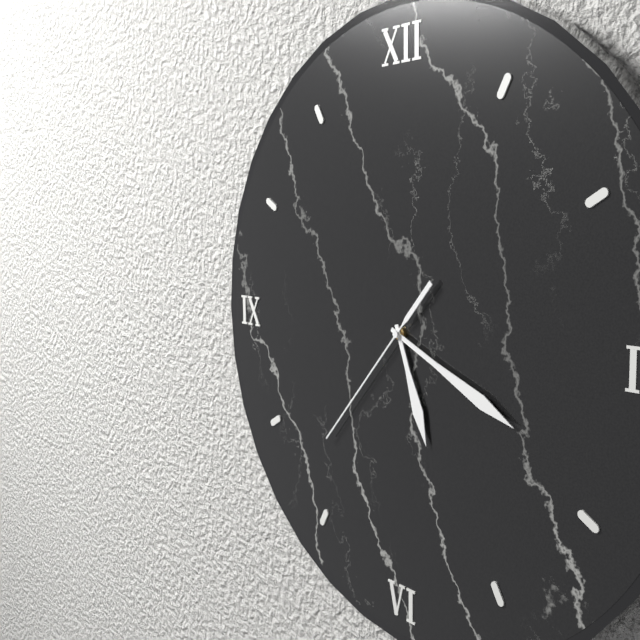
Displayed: 5 h 19 min 37 s
